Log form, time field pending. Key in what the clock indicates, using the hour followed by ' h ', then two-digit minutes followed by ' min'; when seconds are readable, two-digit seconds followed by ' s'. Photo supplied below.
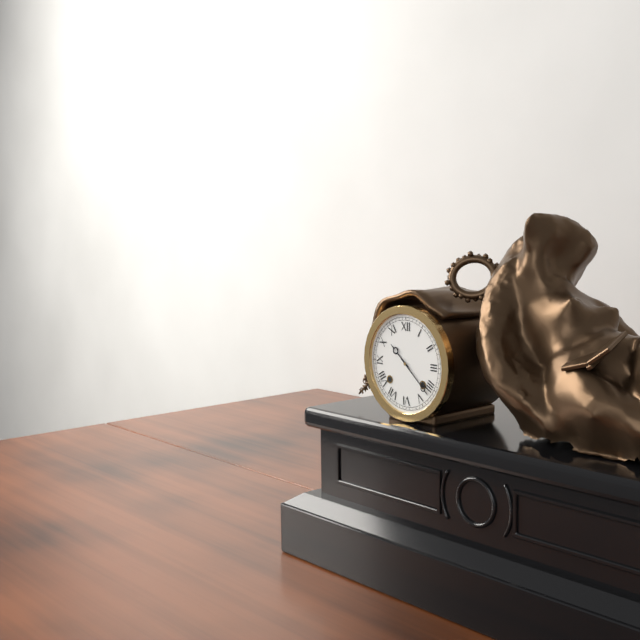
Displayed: 10 h 22 min
